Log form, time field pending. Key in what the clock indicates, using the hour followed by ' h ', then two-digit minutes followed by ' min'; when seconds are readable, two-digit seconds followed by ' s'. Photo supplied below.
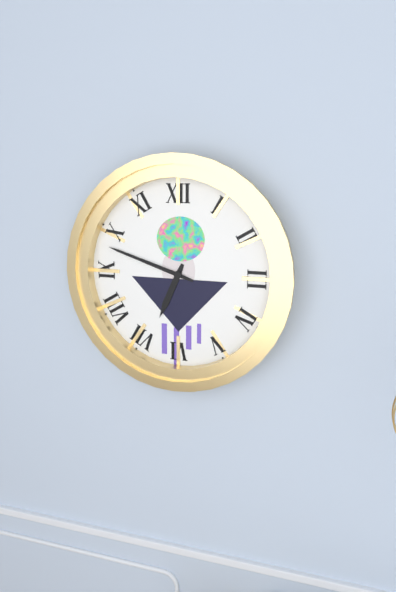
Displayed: 6 h 48 min
